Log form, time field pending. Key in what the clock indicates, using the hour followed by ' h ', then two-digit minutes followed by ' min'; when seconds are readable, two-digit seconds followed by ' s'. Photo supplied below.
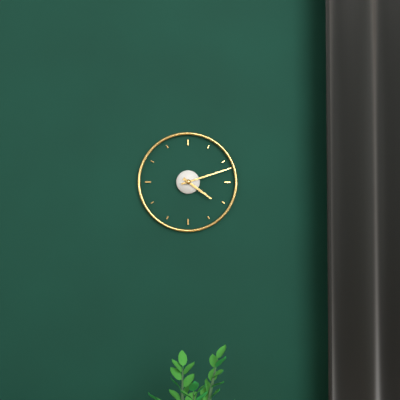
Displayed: 4 h 12 min
